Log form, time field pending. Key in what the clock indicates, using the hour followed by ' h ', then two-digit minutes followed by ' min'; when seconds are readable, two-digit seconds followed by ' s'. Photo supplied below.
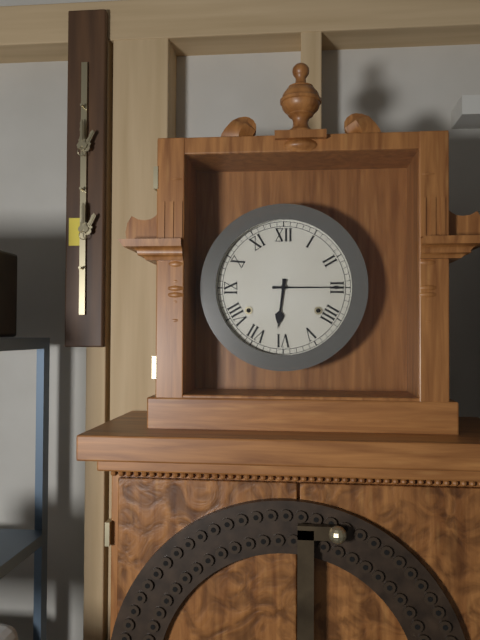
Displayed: 6 h 15 min
